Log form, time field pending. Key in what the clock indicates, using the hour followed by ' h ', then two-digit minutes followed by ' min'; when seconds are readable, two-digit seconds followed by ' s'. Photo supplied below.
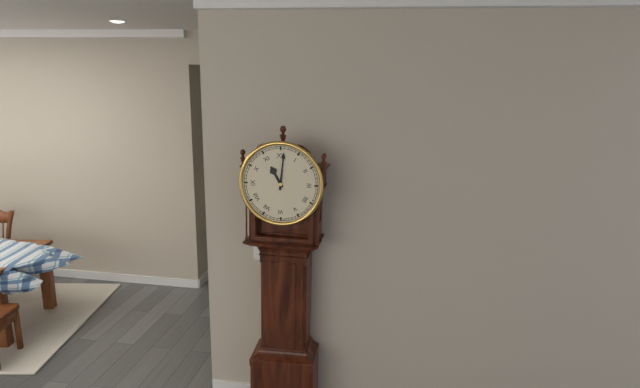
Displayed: 11 h 01 min
